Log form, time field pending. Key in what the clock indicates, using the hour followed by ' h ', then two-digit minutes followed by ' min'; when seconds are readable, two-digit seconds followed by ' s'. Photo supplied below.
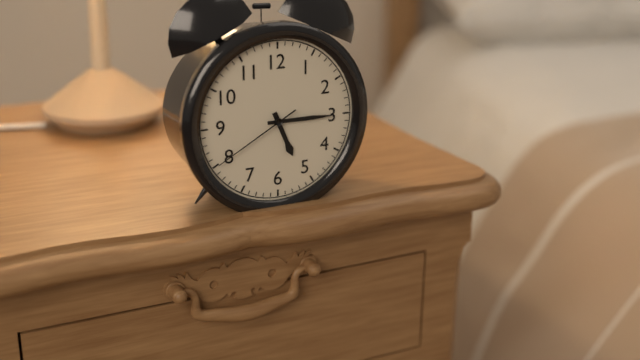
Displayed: 5 h 15 min 40 s
